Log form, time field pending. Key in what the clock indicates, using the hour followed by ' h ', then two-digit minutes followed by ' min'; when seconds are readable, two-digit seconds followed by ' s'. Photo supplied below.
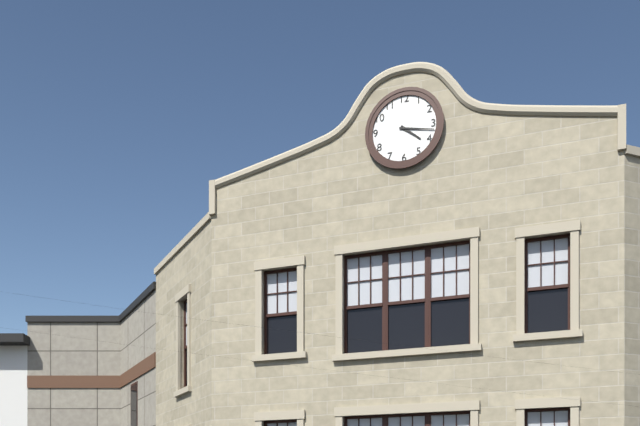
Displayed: 4 h 17 min
